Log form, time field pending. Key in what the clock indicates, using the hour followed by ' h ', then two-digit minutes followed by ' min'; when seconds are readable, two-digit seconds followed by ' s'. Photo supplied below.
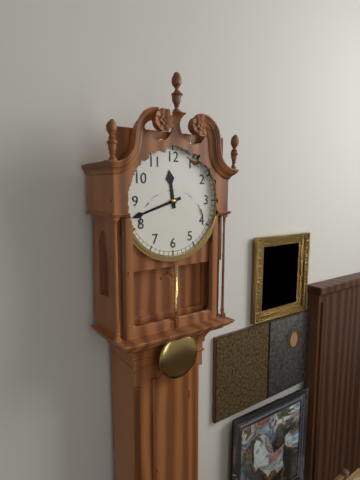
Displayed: 11 h 42 min
